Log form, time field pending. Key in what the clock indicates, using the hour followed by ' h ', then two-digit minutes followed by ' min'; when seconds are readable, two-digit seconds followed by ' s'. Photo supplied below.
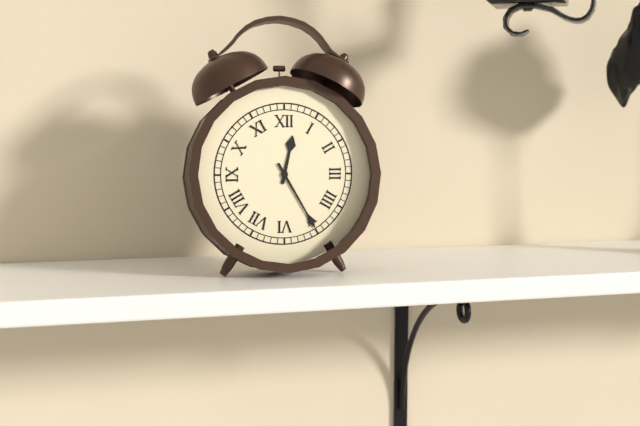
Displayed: 12 h 25 min
